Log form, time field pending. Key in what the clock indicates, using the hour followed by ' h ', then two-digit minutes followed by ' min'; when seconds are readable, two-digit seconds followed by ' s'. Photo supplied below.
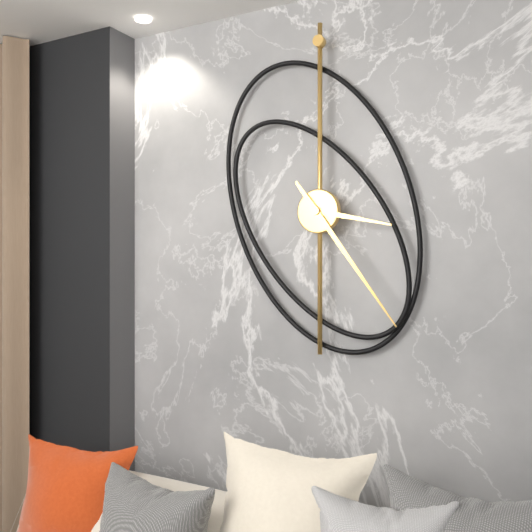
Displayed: 3 h 24 min
